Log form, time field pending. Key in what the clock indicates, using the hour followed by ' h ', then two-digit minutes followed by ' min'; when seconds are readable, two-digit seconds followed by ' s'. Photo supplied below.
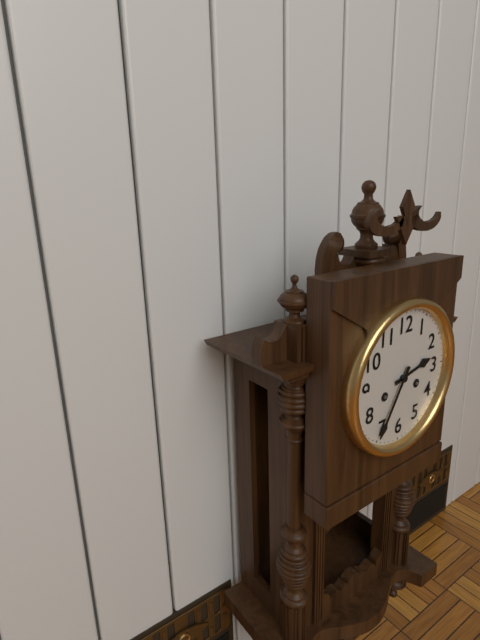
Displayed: 2 h 35 min
